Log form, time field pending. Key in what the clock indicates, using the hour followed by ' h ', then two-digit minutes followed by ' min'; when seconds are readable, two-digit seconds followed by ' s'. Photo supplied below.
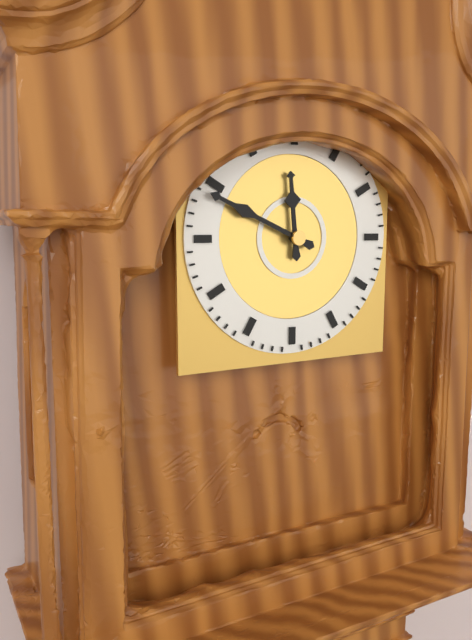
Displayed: 11 h 49 min
